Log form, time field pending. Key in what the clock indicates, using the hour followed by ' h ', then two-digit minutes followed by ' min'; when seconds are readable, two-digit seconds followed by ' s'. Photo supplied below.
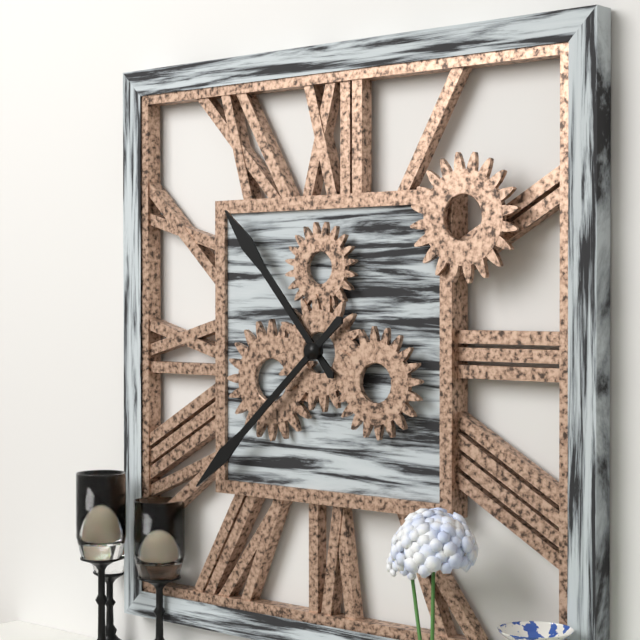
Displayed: 10 h 38 min
